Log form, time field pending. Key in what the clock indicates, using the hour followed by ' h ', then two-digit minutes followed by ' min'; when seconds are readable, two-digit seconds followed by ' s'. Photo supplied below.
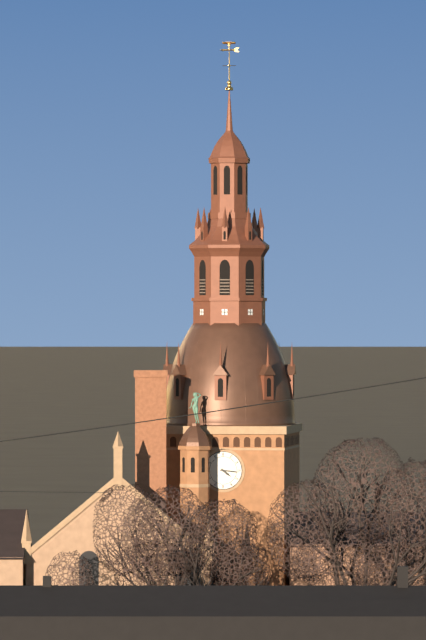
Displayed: 4 h 16 min
